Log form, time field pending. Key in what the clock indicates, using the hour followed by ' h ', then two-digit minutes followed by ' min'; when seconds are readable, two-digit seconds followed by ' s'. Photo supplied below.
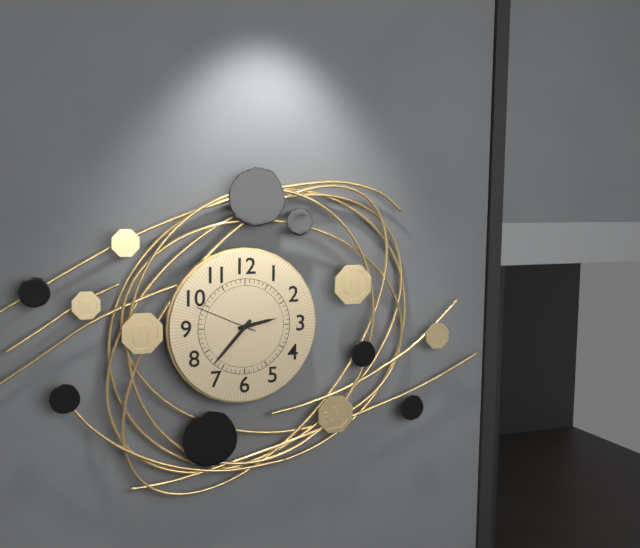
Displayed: 2 h 37 min 49 s
